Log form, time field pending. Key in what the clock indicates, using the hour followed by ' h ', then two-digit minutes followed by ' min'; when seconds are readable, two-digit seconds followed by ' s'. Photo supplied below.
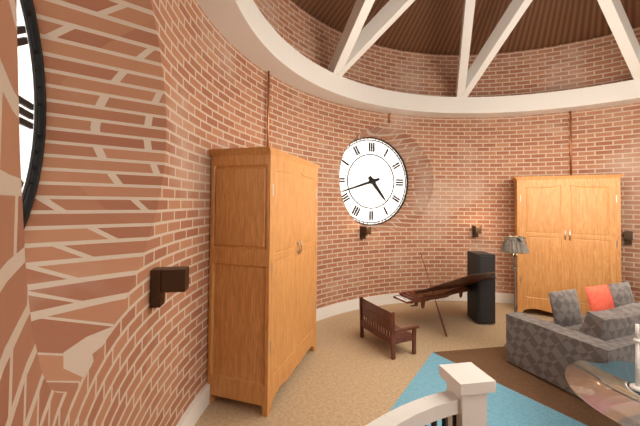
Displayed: 4 h 42 min
